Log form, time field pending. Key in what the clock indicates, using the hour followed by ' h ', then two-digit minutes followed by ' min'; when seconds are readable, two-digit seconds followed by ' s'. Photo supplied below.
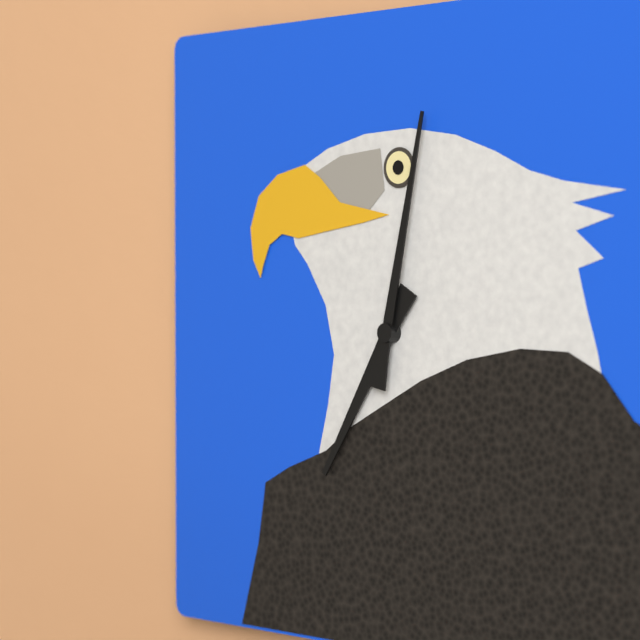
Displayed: 7 h 02 min
